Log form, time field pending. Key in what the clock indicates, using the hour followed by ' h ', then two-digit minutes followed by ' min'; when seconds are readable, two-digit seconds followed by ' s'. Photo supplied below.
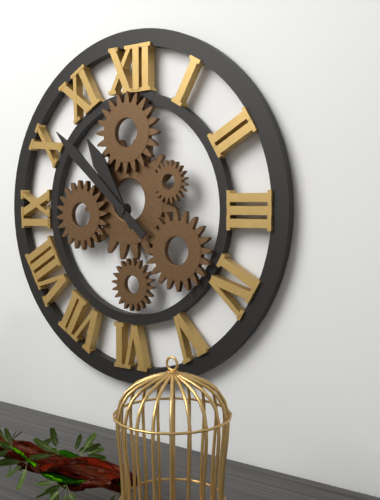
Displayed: 10 h 52 min
